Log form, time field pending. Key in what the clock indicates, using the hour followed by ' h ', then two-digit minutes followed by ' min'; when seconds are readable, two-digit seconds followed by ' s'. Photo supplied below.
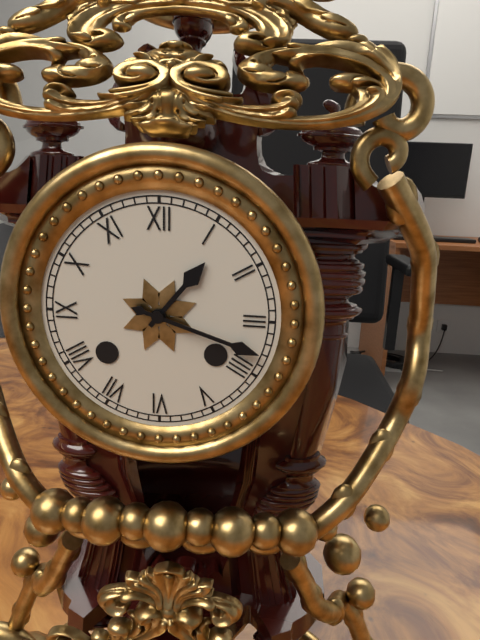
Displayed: 1 h 18 min
